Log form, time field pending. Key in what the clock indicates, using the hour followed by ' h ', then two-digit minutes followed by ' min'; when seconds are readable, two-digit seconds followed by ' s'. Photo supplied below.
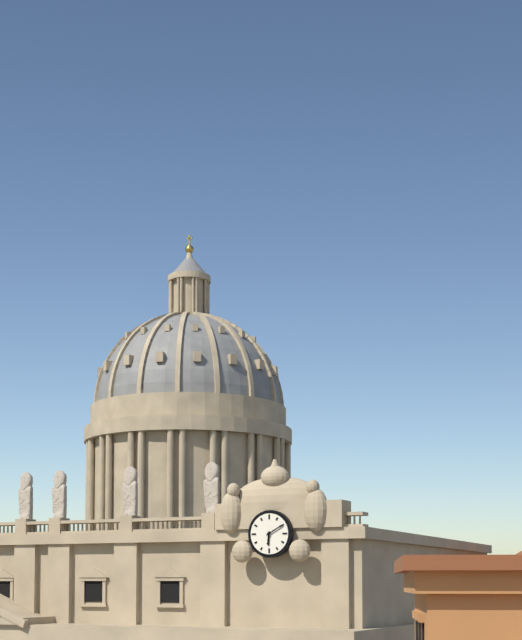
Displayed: 6 h 10 min
